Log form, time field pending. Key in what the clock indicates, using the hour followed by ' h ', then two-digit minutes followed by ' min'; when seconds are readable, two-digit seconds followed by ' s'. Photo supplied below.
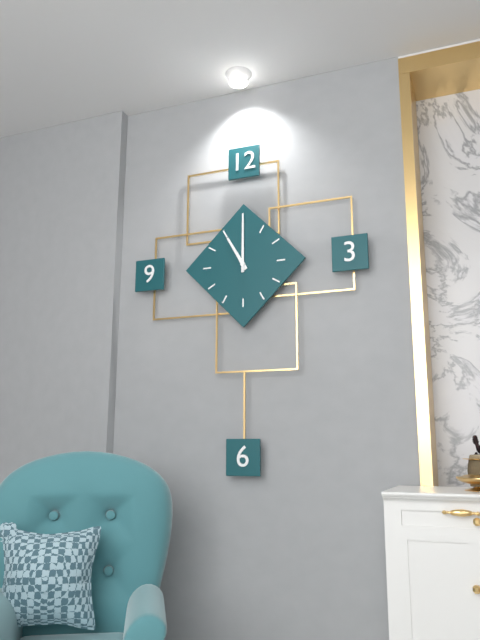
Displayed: 11 h 00 min
